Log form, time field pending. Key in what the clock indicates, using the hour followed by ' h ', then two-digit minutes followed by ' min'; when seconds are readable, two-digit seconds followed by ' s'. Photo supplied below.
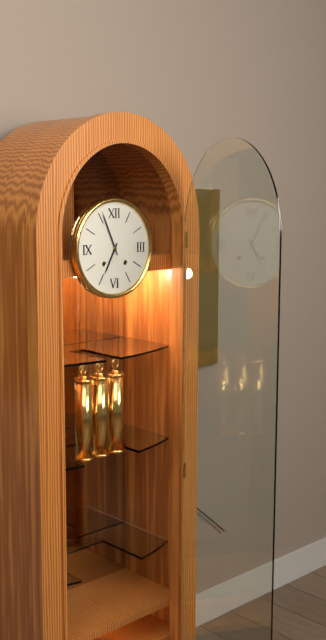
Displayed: 6 h 56 min
